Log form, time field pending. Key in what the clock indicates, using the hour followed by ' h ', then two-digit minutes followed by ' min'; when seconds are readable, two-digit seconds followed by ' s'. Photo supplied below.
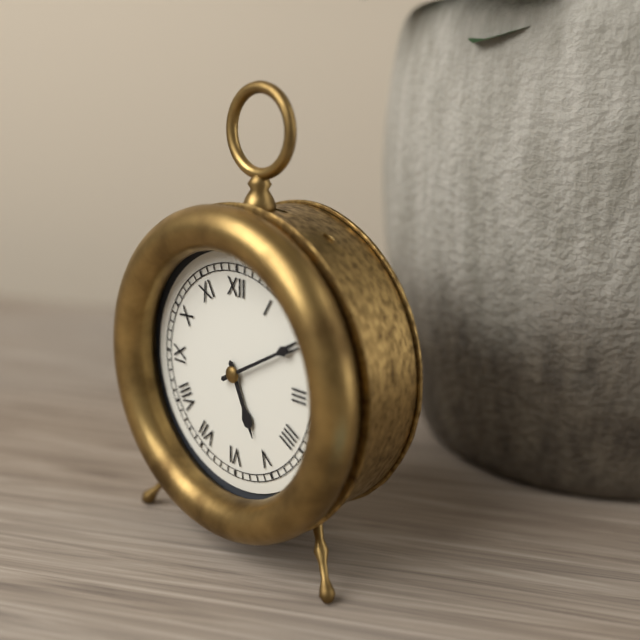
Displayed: 5 h 10 min
